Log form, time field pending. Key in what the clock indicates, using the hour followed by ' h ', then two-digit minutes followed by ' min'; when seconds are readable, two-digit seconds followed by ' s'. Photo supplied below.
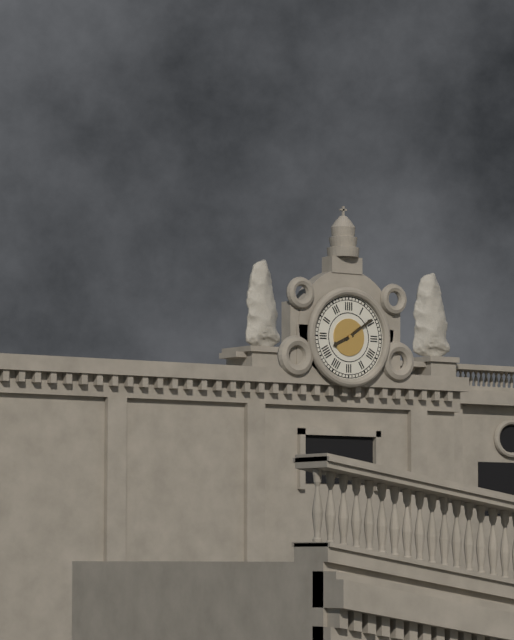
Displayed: 8 h 09 min
